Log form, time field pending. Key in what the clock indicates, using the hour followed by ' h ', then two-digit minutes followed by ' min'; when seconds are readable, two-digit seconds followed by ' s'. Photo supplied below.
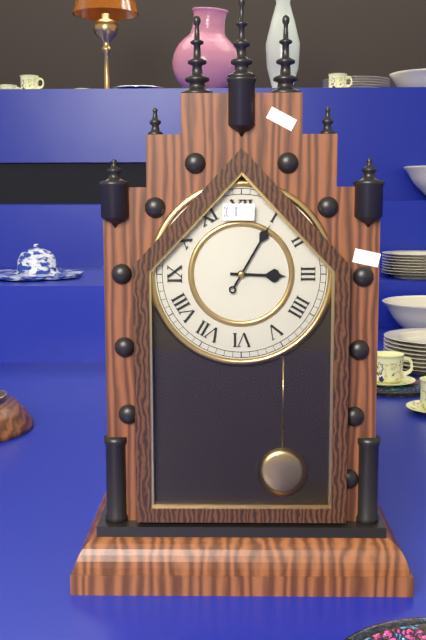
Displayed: 3 h 05 min
